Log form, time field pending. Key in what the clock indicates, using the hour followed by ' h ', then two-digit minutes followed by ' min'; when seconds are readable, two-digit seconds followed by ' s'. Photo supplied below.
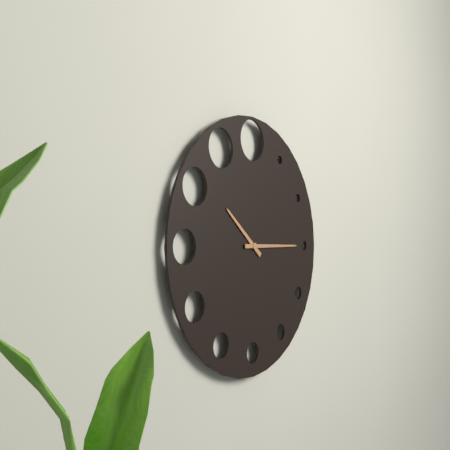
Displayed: 10 h 15 min
